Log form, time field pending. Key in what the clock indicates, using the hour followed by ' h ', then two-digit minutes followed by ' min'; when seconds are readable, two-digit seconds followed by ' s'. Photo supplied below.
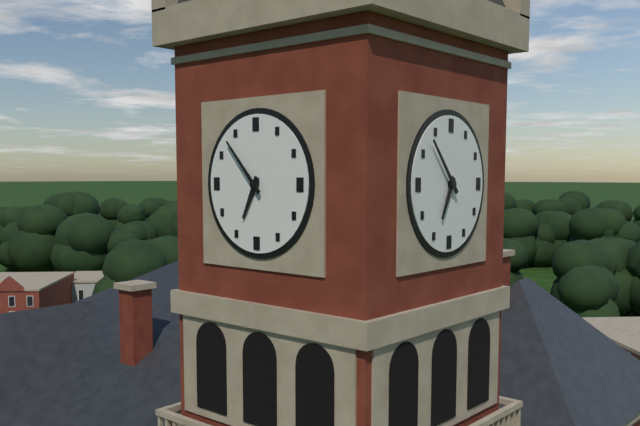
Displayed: 6 h 53 min
